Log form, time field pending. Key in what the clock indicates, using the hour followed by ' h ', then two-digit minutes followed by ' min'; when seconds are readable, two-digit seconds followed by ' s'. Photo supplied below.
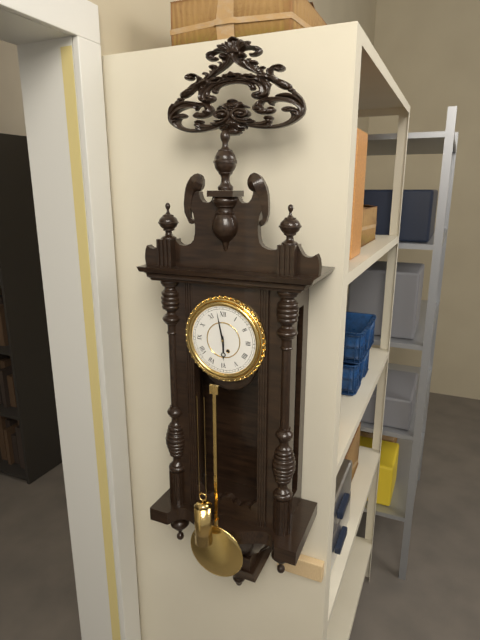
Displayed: 5 h 58 min
